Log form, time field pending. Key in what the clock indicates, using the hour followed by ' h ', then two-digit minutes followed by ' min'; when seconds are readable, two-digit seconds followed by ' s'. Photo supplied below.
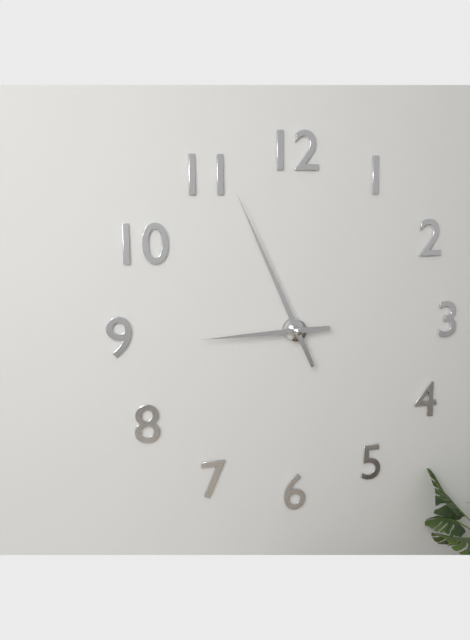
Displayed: 8 h 56 min
